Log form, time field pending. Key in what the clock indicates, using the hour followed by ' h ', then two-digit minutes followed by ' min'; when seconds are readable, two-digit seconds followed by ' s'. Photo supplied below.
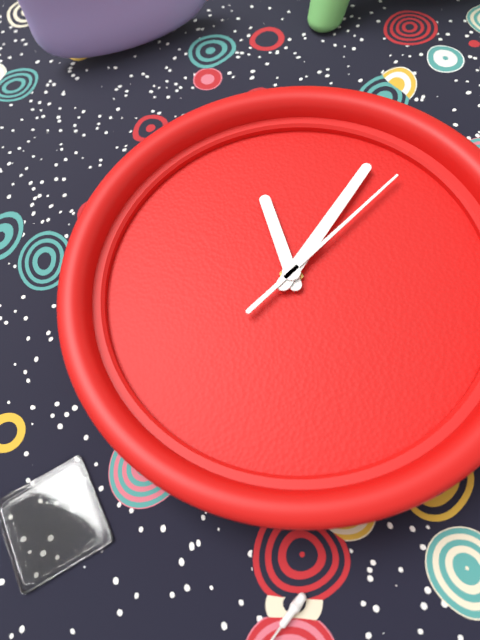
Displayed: 12 h 09 min 11 s
